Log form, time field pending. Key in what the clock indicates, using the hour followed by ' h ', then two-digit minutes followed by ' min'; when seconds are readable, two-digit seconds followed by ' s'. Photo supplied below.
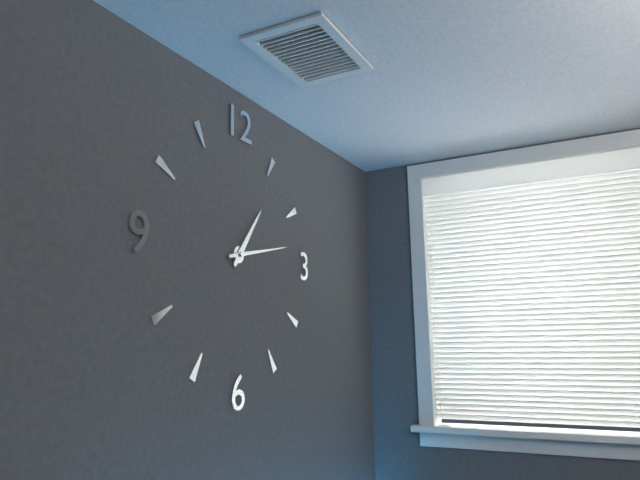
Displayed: 1 h 13 min
